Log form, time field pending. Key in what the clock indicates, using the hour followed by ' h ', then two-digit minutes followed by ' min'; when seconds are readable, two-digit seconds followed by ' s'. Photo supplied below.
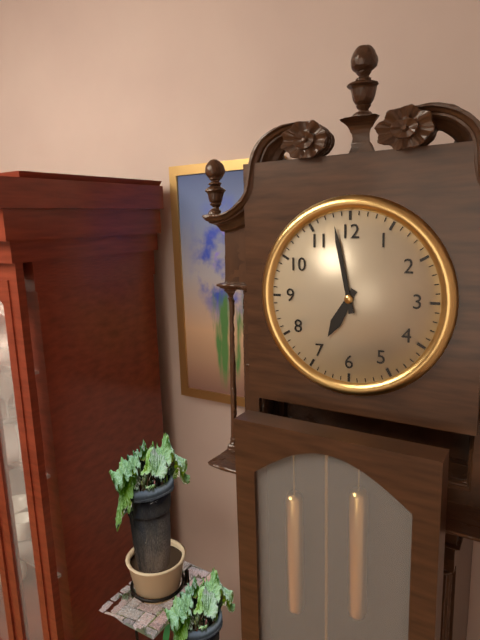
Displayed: 6 h 58 min
